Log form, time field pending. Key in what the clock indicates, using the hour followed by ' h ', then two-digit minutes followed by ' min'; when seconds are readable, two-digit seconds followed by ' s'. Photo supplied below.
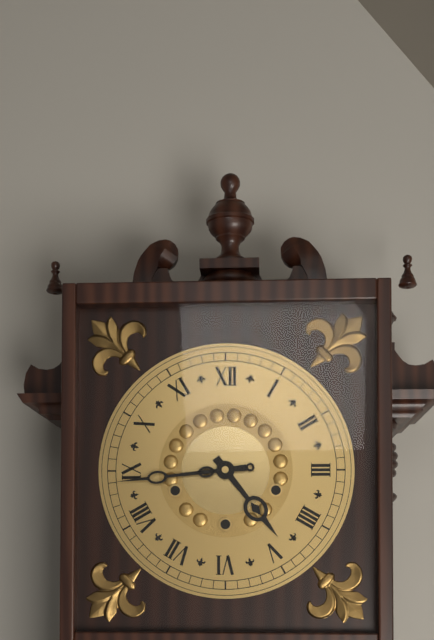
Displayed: 4 h 44 min
